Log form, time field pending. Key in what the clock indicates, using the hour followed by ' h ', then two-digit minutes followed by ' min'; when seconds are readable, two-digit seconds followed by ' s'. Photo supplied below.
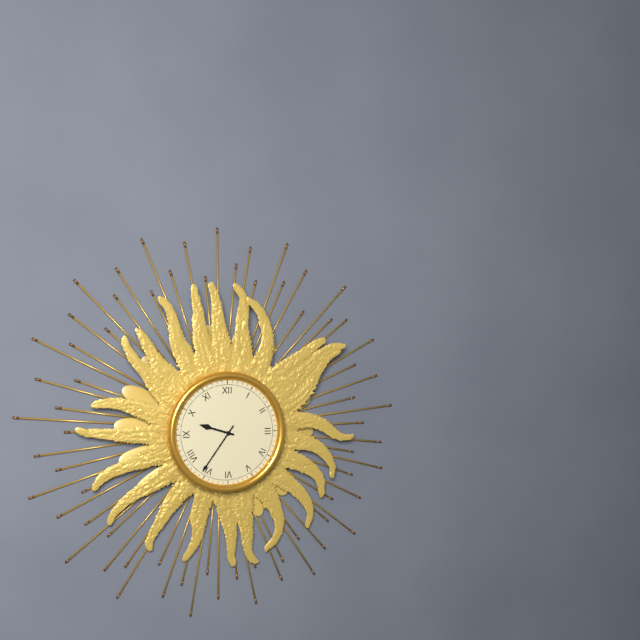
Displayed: 9 h 36 min
